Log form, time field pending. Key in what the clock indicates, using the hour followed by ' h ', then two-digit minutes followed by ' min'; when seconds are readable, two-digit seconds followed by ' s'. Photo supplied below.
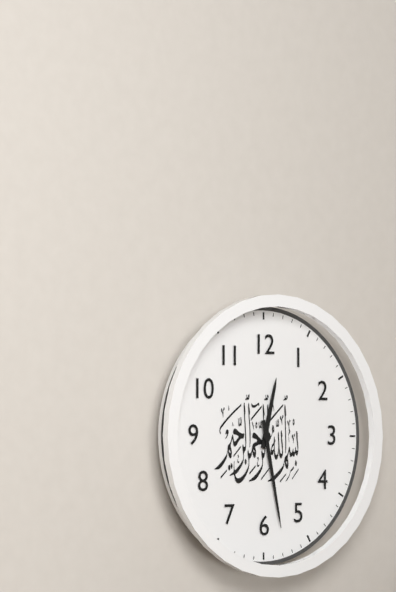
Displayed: 12 h 28 min
